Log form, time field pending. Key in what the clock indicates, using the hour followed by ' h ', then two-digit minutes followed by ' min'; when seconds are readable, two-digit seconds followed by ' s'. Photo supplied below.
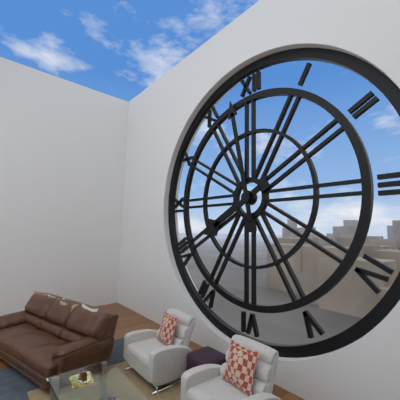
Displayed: 7 h 58 min
